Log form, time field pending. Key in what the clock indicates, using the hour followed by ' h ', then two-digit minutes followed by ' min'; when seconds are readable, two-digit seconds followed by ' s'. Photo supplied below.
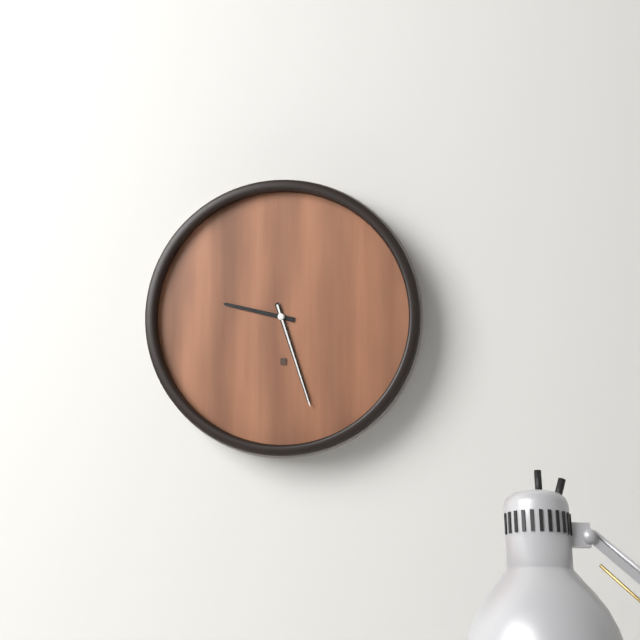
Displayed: 9 h 27 min 27 s
